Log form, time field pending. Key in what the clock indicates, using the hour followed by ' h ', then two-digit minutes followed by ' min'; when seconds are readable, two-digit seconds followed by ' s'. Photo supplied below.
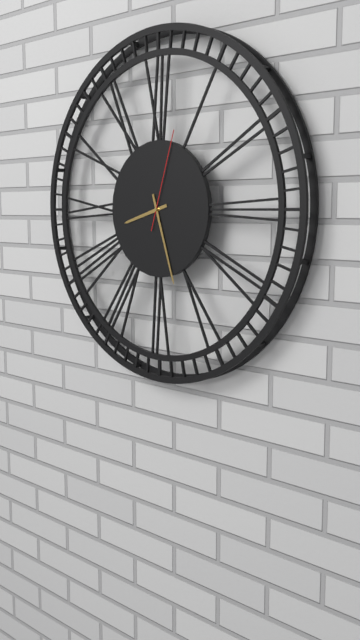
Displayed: 8 h 27 min 03 s
